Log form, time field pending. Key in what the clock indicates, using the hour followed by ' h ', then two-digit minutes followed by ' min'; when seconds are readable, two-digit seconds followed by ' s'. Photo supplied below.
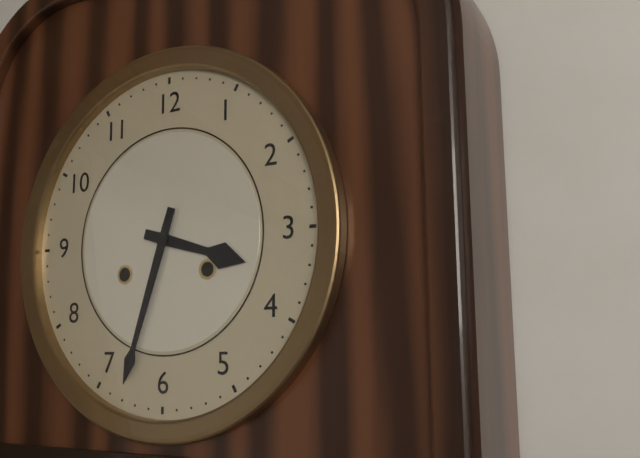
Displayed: 3 h 33 min
